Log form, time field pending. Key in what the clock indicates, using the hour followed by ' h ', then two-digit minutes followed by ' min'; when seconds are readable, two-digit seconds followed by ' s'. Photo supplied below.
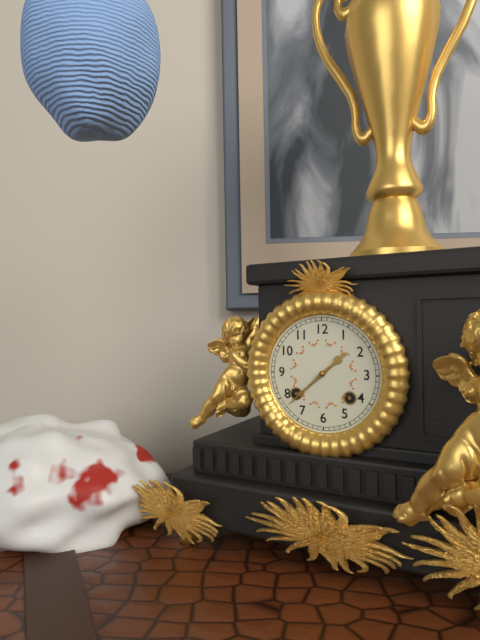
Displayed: 1 h 38 min
